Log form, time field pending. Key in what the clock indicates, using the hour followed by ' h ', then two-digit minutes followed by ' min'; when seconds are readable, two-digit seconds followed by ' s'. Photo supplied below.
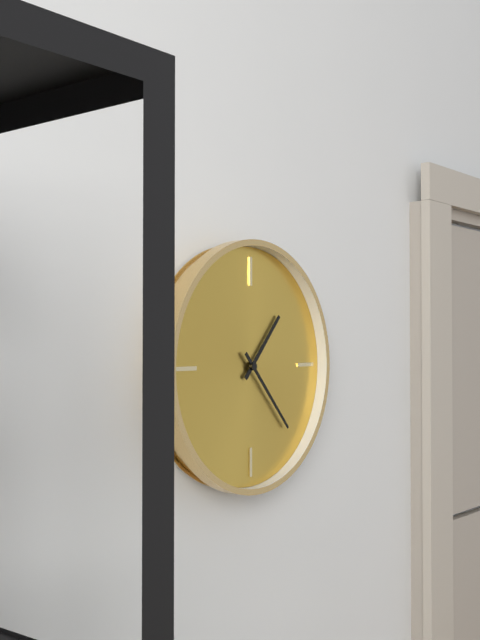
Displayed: 1 h 23 min
